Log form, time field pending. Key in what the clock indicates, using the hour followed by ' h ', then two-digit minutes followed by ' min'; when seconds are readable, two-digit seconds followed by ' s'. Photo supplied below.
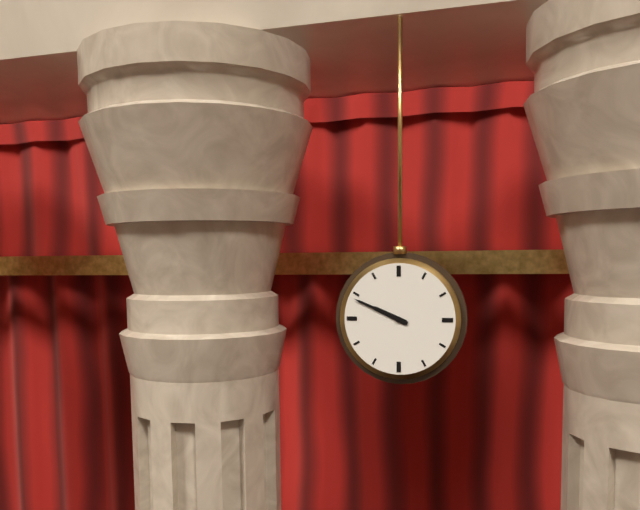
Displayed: 9 h 49 min
